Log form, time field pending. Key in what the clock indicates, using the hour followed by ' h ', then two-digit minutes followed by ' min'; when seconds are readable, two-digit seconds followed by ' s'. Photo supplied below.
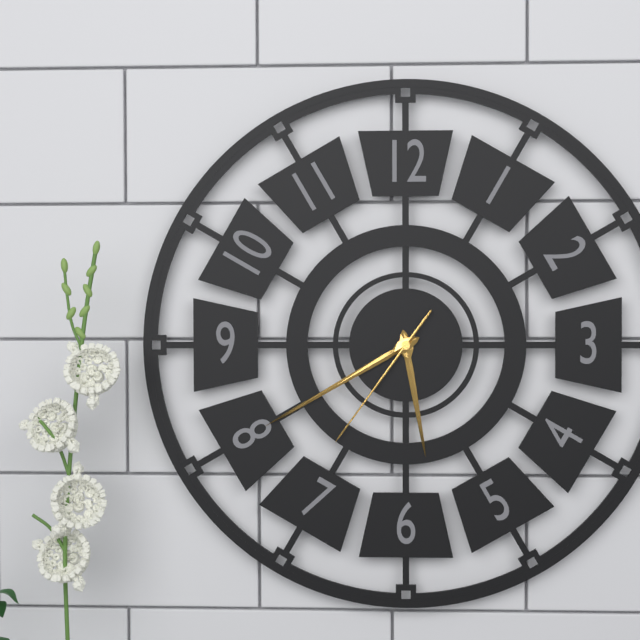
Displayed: 5 h 40 min 36 s
